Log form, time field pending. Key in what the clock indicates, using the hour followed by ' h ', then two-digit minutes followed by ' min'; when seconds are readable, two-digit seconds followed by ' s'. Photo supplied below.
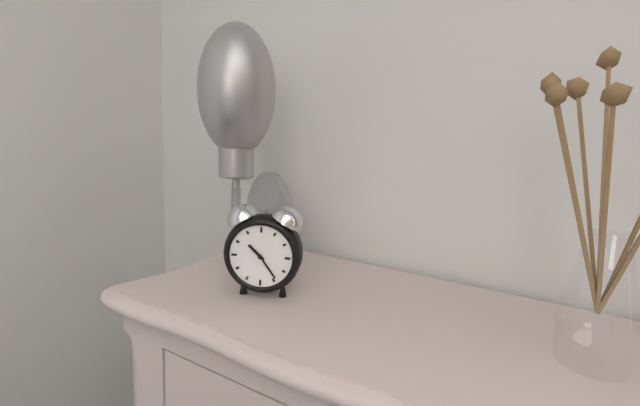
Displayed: 10 h 24 min
